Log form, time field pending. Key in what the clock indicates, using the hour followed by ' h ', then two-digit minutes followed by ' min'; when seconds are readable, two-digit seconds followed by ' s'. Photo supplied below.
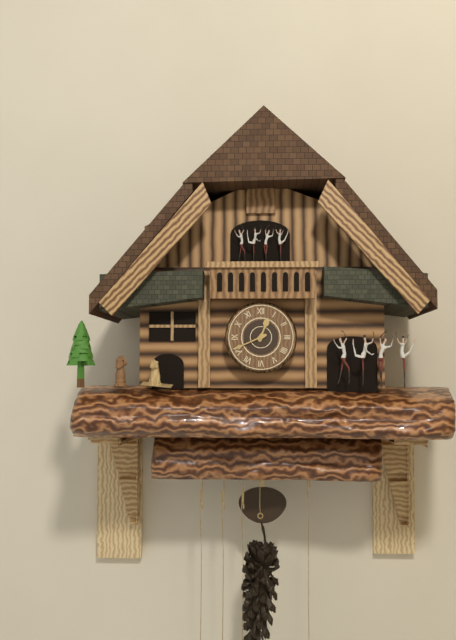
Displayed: 12 h 41 min
